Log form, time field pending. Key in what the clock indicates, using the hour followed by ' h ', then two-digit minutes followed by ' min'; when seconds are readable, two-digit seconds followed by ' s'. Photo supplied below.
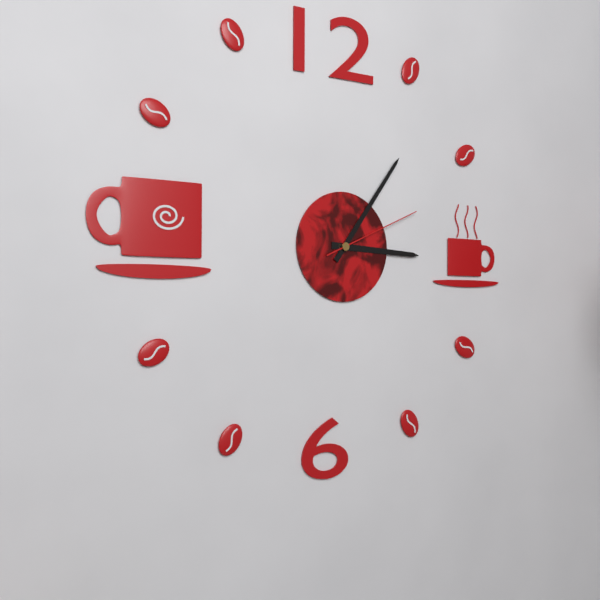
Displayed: 3 h 06 min 11 s
